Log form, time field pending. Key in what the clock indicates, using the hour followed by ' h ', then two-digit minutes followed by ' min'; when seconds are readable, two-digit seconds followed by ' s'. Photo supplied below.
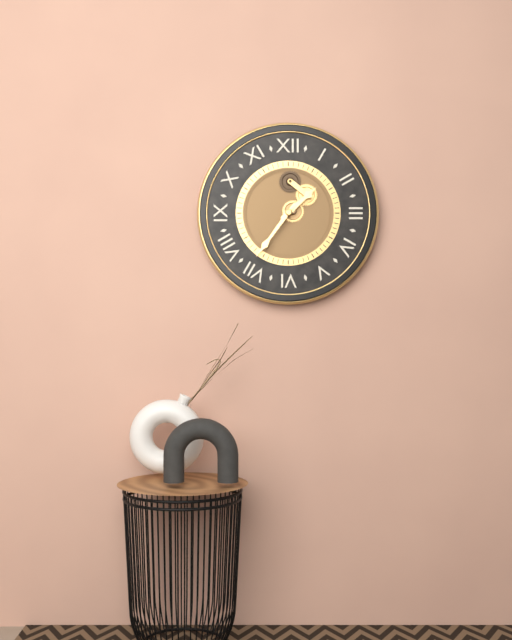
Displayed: 1 h 36 min
